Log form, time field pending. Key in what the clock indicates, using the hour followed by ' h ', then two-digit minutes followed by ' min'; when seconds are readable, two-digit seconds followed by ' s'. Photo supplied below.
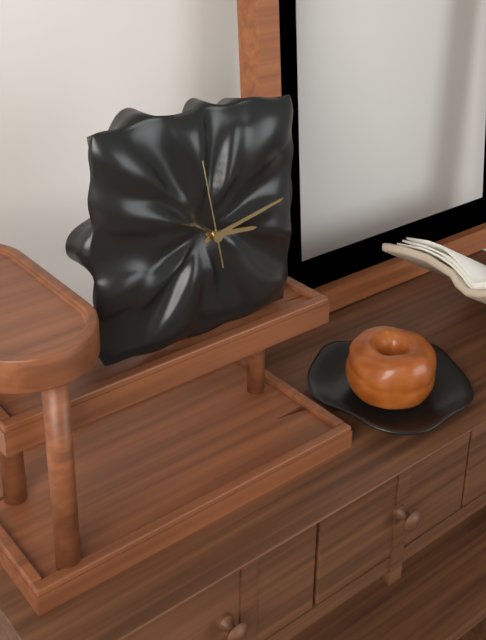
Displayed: 3 h 13 min 58 s
